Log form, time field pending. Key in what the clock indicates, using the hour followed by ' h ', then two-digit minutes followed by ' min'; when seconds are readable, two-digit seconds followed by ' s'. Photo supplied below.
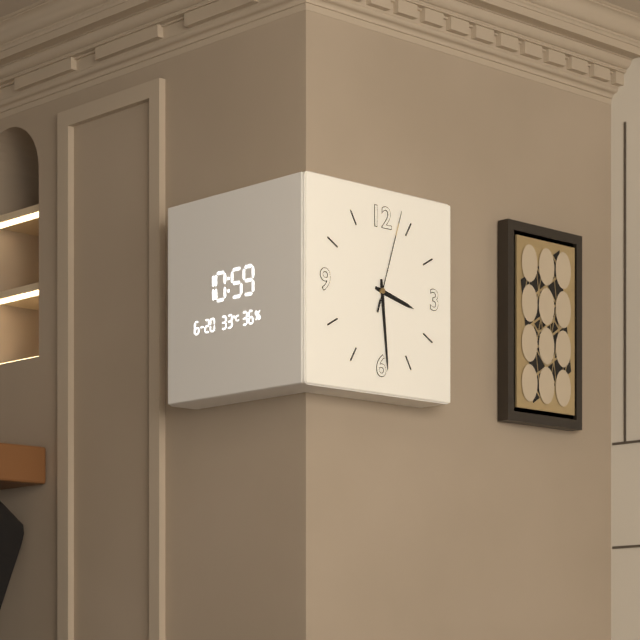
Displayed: 3 h 29 min 03 s
